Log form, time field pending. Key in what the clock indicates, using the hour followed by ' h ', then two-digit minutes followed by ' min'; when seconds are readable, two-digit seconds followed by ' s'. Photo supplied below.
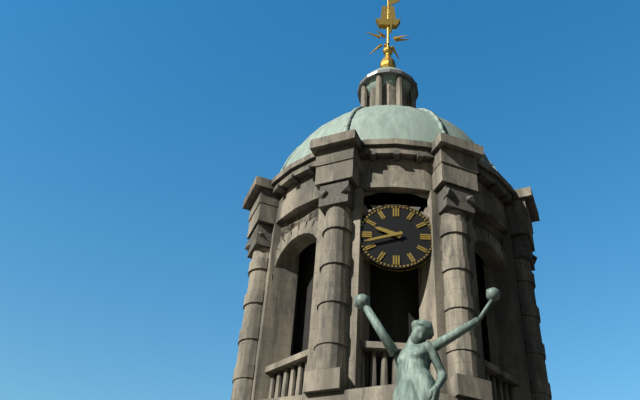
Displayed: 9 h 42 min
